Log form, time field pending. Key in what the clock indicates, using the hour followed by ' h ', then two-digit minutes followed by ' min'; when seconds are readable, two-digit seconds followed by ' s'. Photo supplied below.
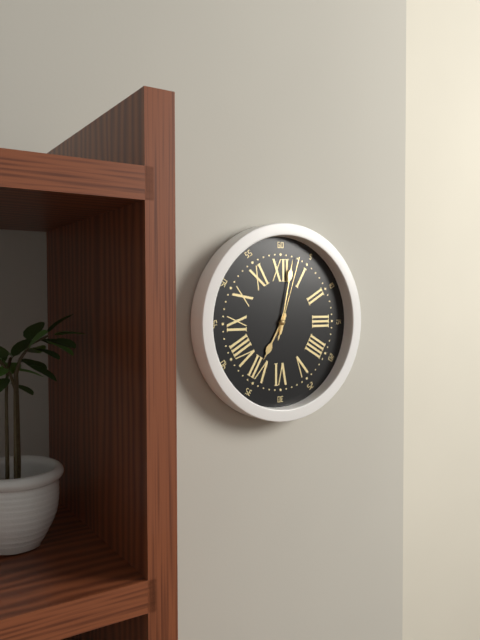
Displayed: 7 h 02 min 03 s
